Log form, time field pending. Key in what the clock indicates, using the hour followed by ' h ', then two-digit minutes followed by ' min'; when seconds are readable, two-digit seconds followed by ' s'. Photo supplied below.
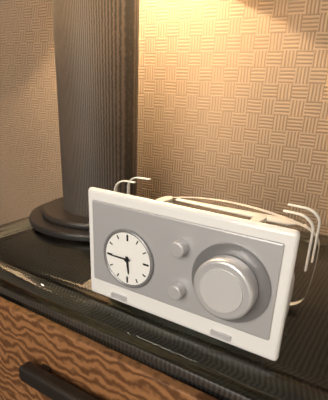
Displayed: 5 h 45 min
